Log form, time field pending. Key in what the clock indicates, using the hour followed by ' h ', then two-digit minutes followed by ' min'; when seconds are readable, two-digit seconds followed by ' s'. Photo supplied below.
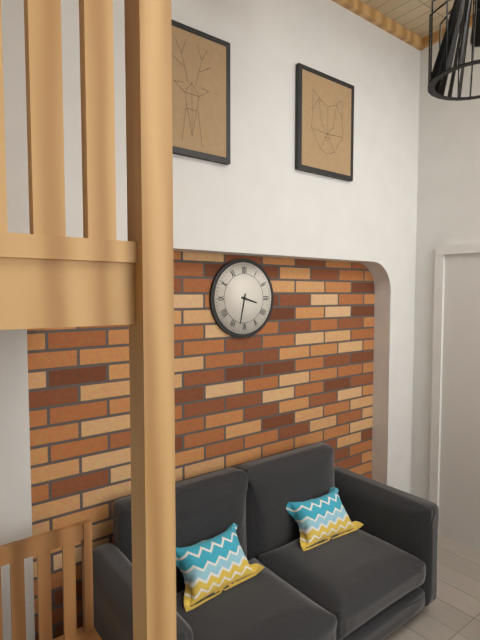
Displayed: 3 h 32 min
